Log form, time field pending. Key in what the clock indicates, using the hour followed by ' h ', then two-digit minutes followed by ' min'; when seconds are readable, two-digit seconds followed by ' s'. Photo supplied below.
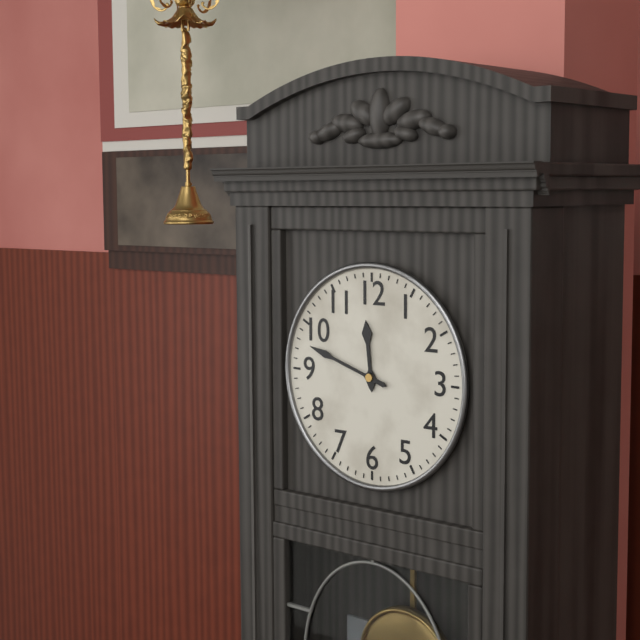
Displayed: 11 h 48 min
